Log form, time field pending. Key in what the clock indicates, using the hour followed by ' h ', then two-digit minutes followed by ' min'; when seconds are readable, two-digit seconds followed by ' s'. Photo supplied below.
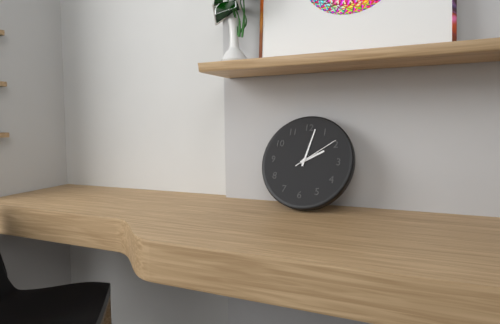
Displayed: 2 h 02 min
